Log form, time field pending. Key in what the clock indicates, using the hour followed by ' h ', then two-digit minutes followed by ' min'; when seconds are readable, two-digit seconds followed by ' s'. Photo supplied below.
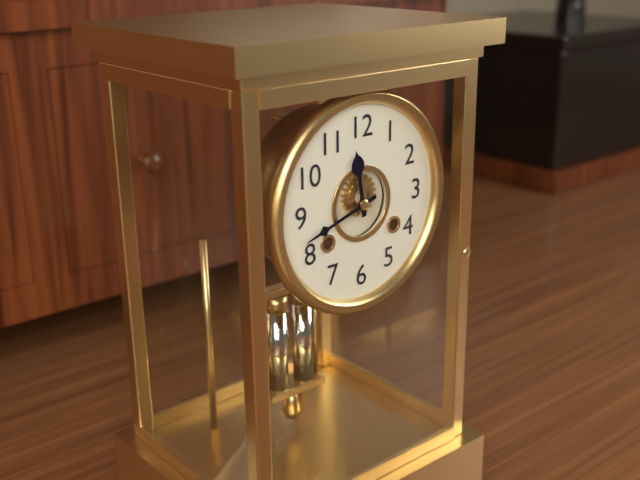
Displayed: 11 h 42 min
